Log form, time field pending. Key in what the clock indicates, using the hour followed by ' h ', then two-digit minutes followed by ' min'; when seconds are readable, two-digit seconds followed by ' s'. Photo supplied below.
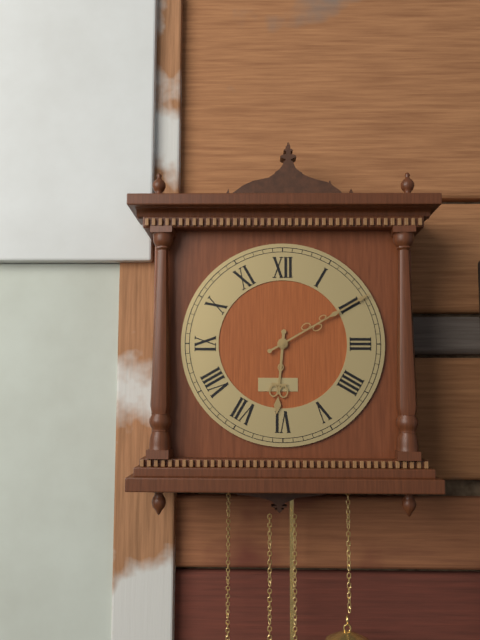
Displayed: 6 h 10 min
